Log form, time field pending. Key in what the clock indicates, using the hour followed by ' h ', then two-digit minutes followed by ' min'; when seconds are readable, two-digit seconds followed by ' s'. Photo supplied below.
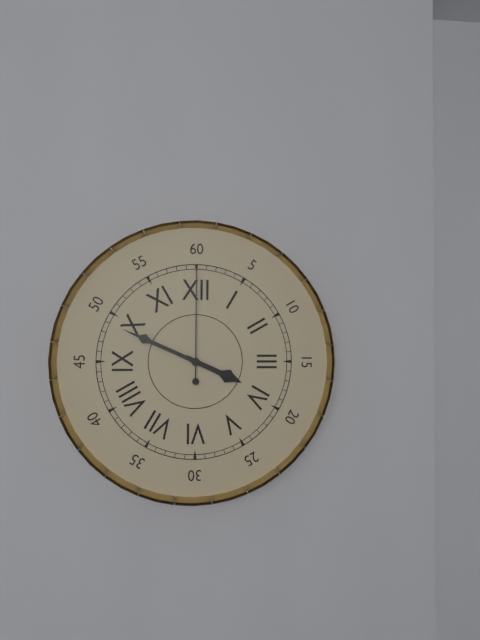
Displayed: 3 h 49 min 00 s
